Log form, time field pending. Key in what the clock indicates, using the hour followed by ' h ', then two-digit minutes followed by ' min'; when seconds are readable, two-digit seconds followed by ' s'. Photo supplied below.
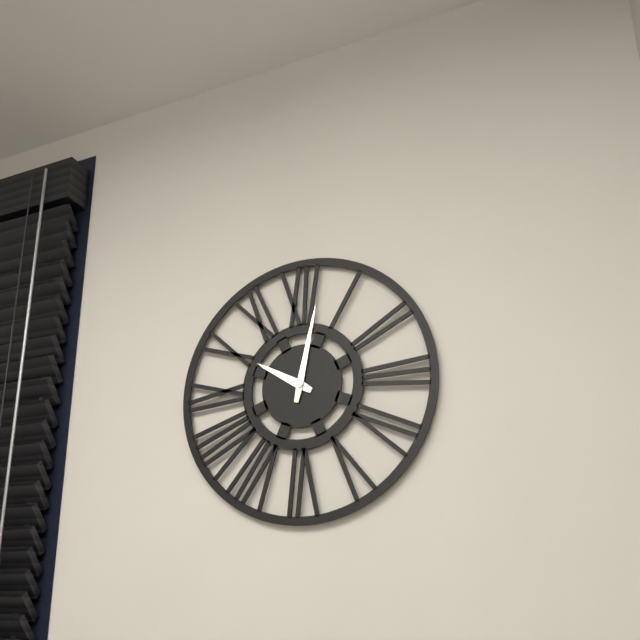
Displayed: 10 h 02 min
